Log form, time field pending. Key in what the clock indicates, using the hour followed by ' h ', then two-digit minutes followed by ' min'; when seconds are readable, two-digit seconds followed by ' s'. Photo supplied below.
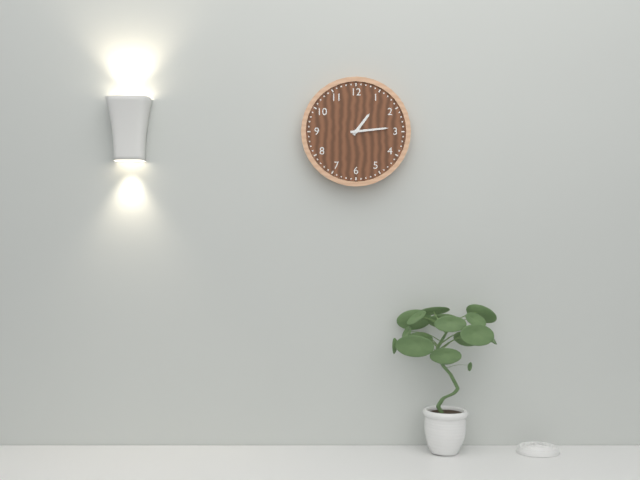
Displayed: 1 h 14 min
